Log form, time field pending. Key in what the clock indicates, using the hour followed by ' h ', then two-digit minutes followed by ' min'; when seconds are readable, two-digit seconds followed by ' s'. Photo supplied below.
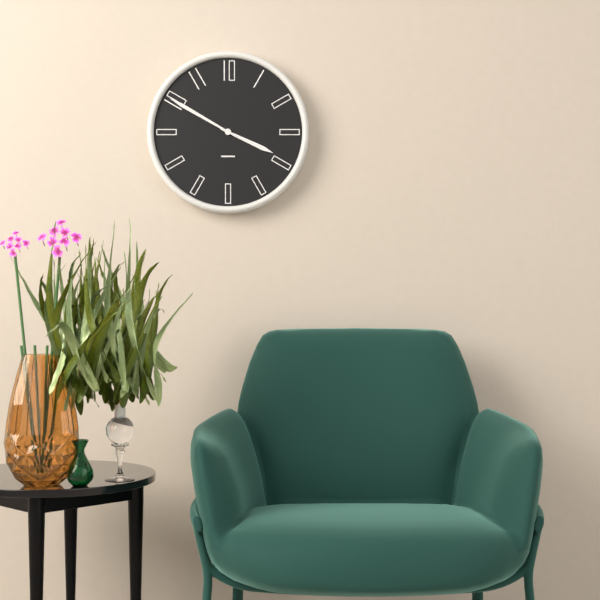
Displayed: 3 h 50 min
